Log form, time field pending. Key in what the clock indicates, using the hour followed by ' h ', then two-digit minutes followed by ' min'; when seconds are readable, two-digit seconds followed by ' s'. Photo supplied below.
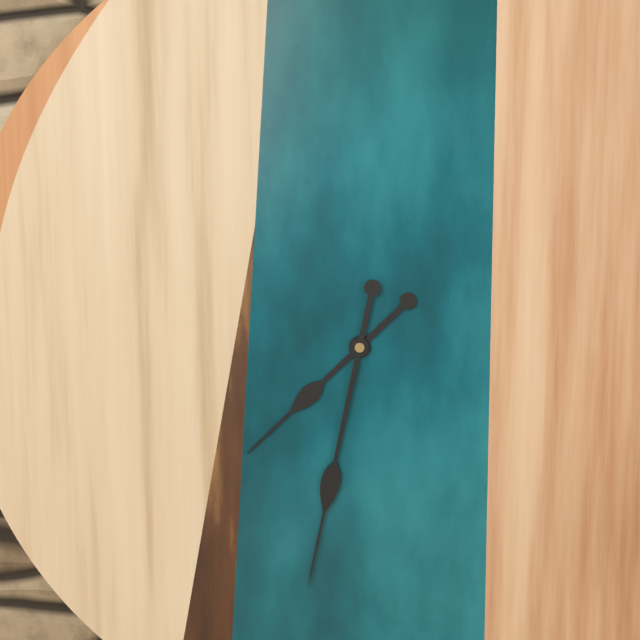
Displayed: 7 h 32 min
